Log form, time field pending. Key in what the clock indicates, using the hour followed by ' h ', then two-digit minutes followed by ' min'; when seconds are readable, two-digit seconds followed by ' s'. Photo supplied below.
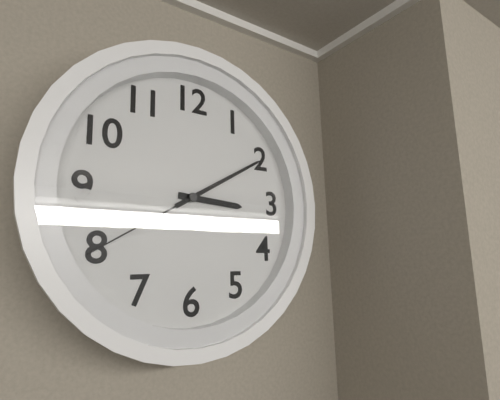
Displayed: 3 h 10 min 40 s
